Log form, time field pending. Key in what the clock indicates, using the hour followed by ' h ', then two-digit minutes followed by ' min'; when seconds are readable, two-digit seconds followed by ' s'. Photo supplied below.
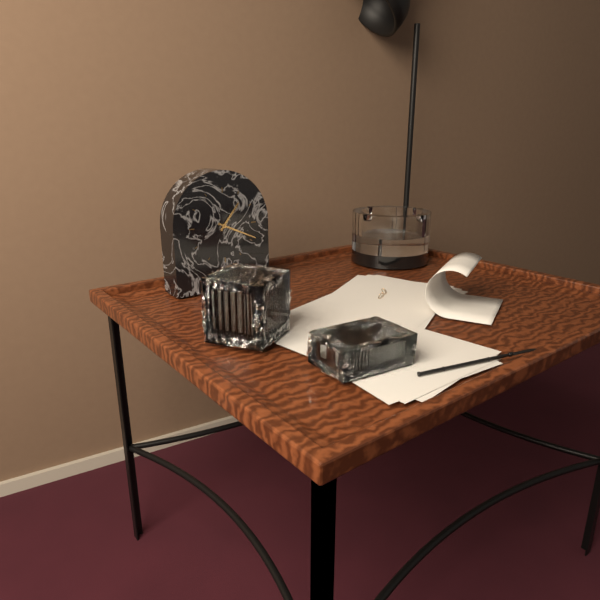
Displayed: 1 h 19 min
